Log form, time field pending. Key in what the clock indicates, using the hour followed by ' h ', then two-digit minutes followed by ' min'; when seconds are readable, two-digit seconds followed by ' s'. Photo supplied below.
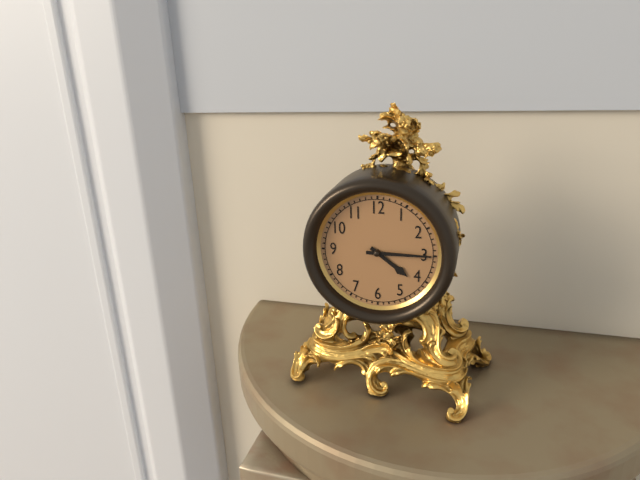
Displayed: 4 h 15 min
